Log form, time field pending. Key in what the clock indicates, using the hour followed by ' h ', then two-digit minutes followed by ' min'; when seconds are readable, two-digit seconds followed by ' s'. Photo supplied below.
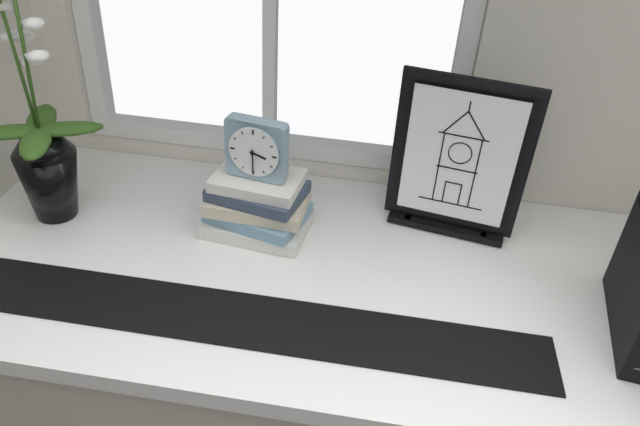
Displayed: 3 h 30 min
